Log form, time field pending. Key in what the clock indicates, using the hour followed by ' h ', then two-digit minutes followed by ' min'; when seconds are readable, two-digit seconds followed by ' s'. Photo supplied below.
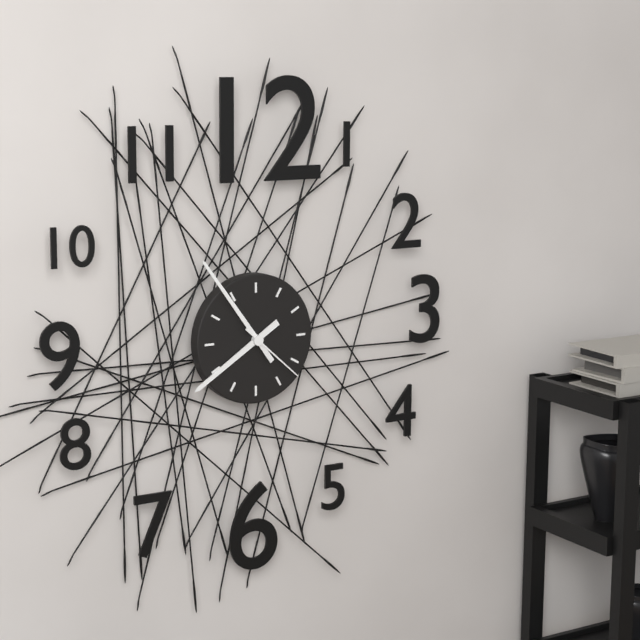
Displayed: 7 h 54 min 22 s
